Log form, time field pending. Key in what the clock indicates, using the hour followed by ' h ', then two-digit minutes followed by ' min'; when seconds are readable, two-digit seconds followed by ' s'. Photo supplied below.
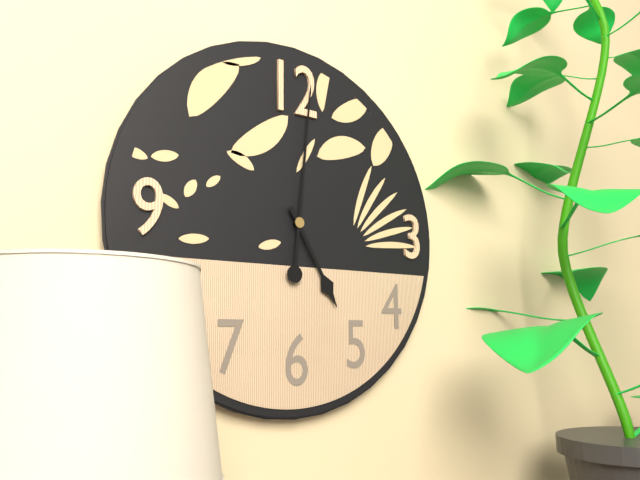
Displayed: 5 h 01 min
